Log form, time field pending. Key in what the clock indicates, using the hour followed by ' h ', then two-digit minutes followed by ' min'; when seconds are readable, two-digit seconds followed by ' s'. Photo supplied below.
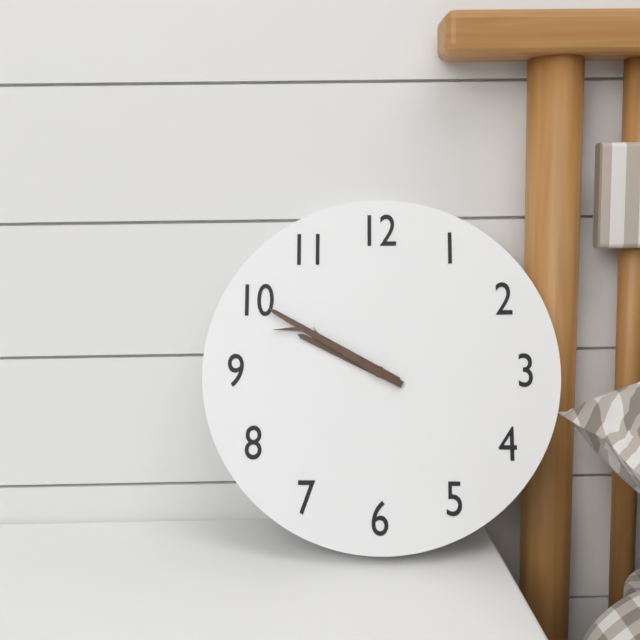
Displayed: 9 h 50 min
